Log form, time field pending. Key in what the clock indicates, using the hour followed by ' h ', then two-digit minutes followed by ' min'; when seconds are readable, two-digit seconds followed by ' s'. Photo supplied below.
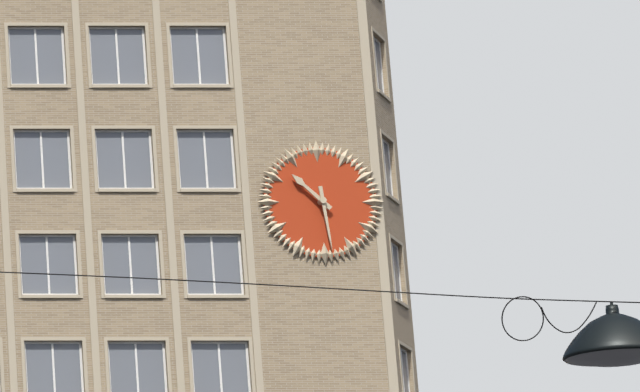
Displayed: 10 h 29 min
